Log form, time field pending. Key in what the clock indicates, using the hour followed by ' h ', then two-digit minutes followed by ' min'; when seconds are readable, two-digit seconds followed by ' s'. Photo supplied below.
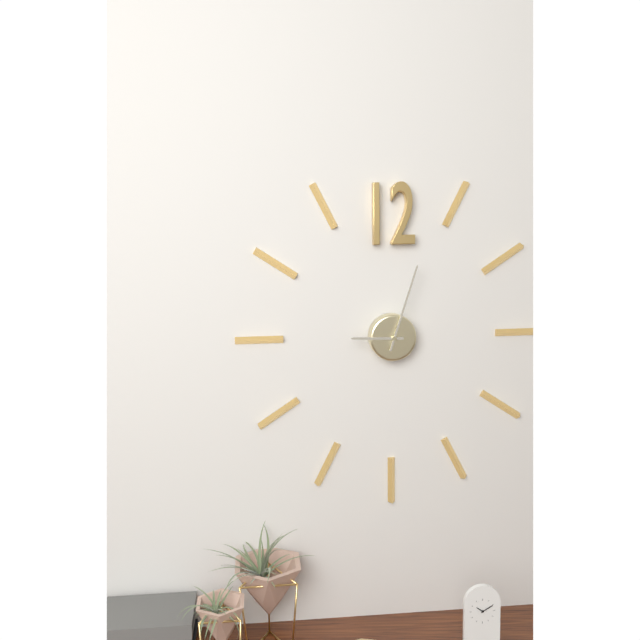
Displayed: 9 h 03 min
